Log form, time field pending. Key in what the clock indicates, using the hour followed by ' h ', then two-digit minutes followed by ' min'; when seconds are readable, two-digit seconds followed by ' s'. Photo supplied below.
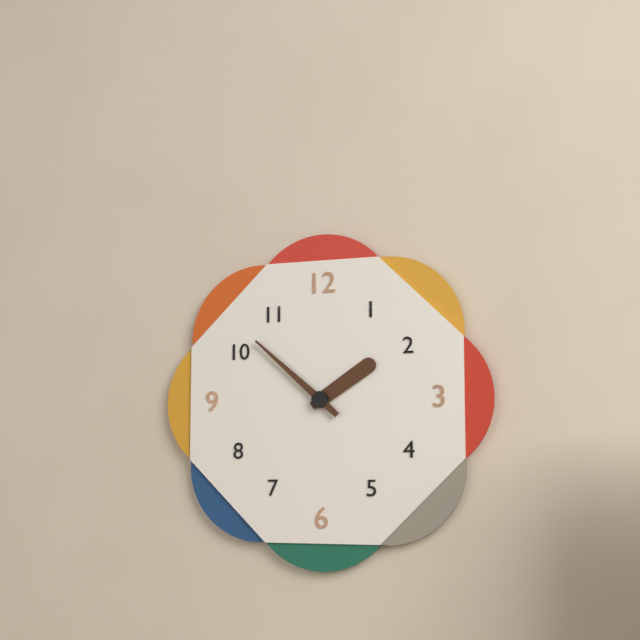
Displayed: 1 h 52 min
